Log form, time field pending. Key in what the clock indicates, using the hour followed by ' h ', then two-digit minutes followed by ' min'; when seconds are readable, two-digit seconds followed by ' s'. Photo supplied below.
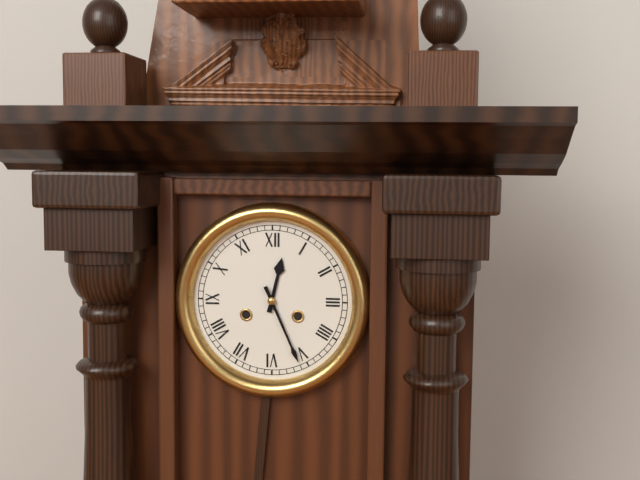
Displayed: 12 h 26 min
